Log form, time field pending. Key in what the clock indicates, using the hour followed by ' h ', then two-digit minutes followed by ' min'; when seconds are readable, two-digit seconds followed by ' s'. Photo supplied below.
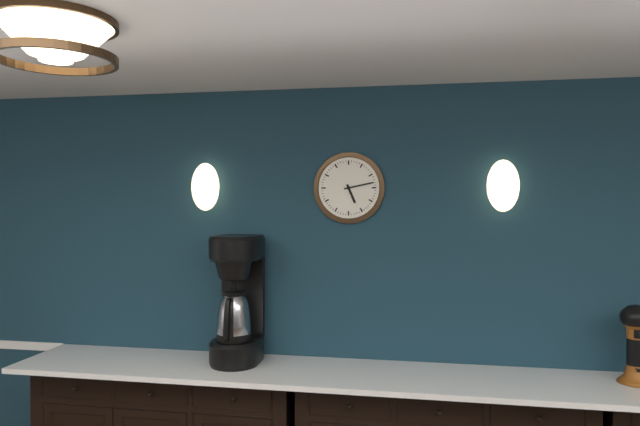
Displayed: 5 h 13 min
